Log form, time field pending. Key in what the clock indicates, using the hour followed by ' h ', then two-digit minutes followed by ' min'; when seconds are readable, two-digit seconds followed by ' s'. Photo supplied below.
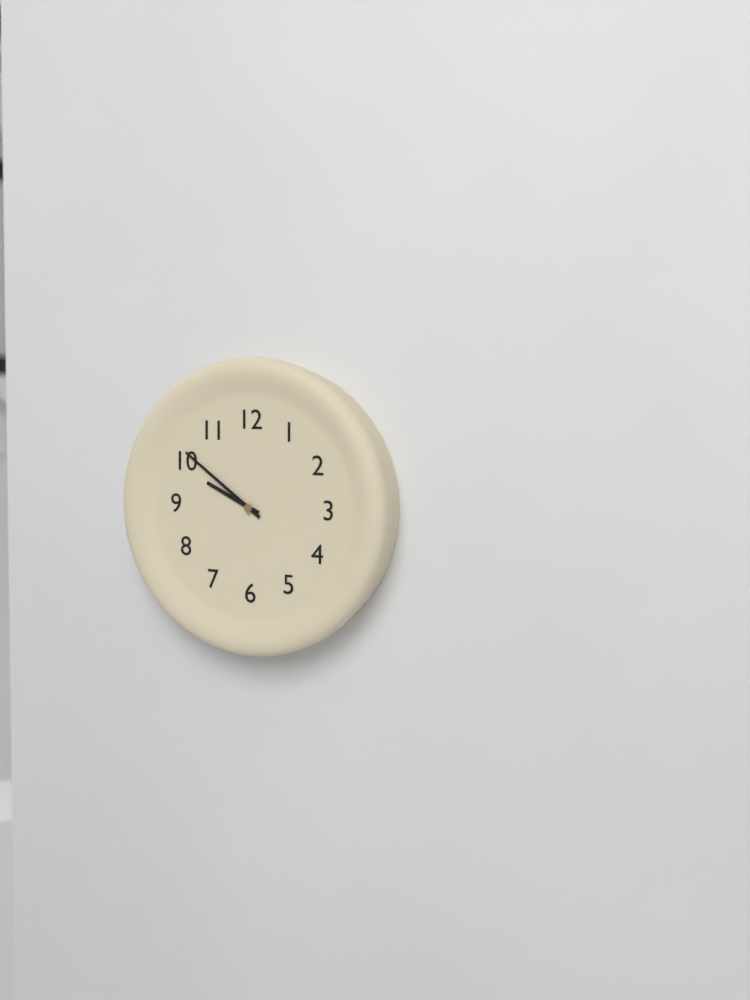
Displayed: 9 h 51 min
